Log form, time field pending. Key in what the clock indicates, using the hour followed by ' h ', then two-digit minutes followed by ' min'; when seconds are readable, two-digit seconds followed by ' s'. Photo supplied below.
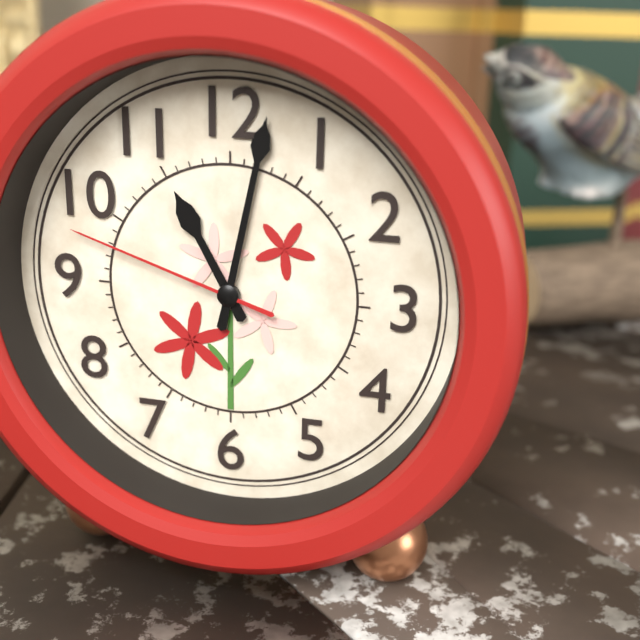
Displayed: 11 h 02 min 48 s
